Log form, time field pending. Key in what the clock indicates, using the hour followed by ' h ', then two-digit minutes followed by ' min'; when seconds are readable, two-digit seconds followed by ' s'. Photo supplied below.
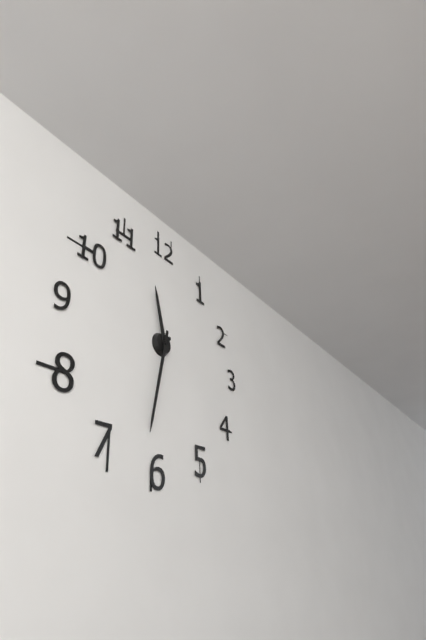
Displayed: 11 h 32 min
